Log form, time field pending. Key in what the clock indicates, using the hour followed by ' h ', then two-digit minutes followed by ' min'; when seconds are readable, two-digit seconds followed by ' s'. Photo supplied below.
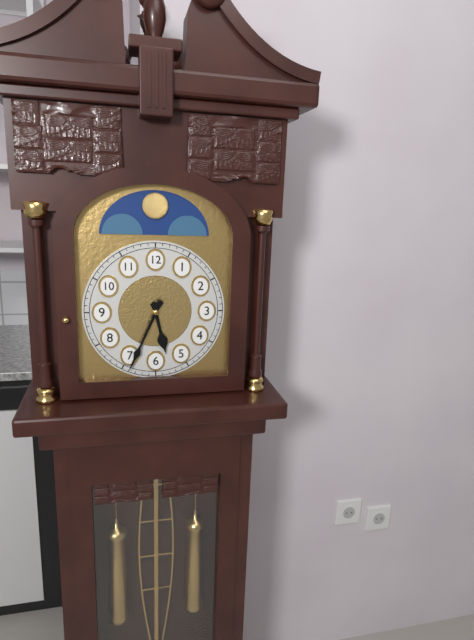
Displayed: 5 h 34 min
